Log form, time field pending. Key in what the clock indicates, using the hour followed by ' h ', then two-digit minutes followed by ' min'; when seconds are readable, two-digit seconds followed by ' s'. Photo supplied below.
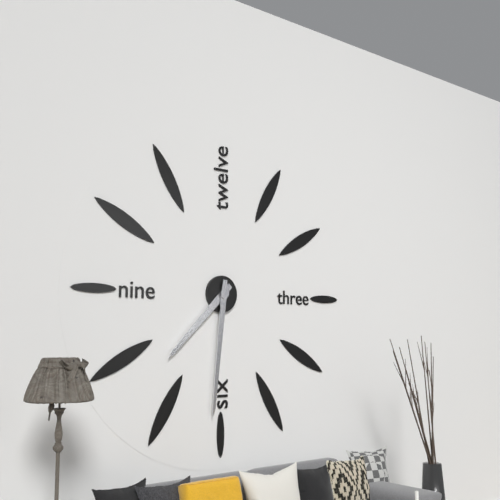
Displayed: 7 h 31 min
